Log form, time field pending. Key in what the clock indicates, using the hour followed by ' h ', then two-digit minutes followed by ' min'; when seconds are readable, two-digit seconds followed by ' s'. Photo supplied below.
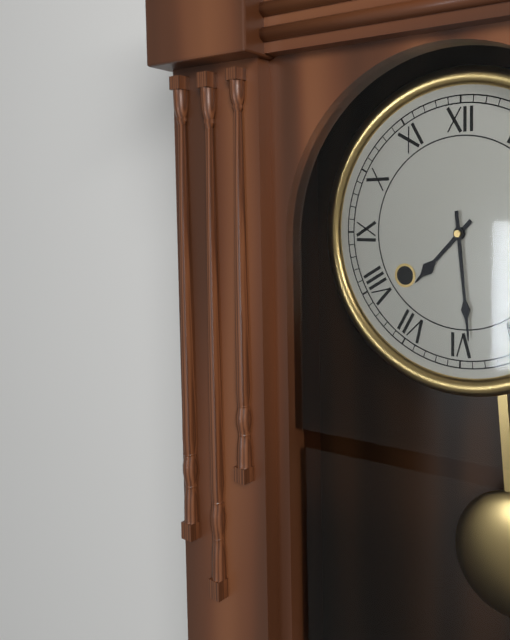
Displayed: 7 h 29 min
